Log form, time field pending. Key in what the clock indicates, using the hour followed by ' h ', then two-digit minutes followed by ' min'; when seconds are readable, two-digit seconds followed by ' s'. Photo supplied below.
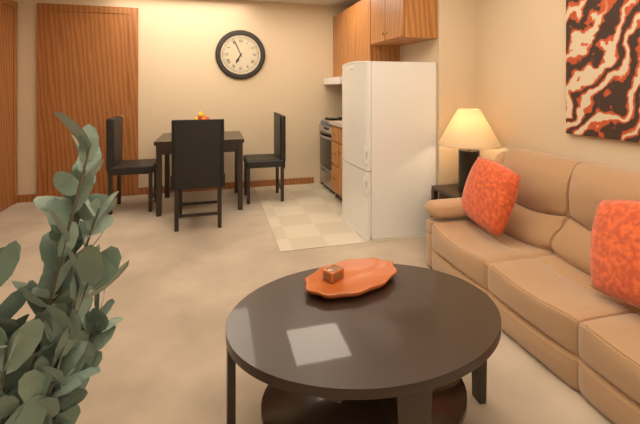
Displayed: 6 h 56 min
